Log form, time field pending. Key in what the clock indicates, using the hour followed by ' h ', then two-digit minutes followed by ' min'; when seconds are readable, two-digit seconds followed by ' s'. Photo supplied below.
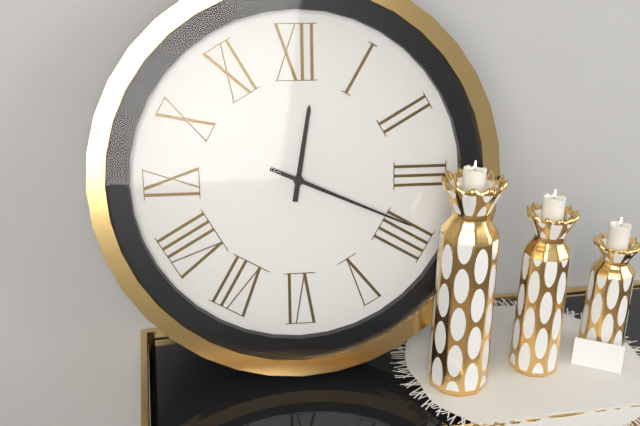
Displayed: 12 h 19 min
